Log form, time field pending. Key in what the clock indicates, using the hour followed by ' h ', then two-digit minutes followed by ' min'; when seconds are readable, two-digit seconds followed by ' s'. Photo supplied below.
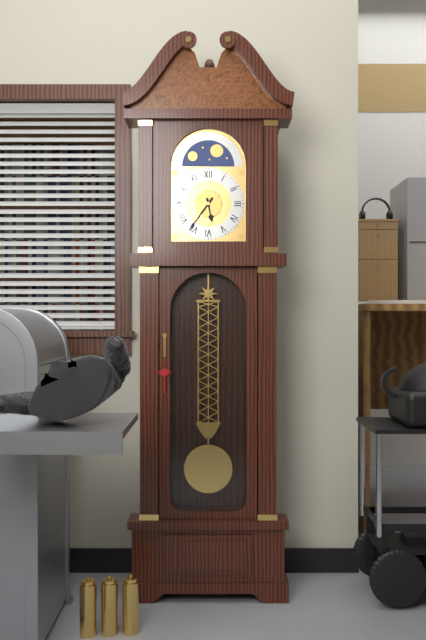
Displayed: 5 h 36 min
